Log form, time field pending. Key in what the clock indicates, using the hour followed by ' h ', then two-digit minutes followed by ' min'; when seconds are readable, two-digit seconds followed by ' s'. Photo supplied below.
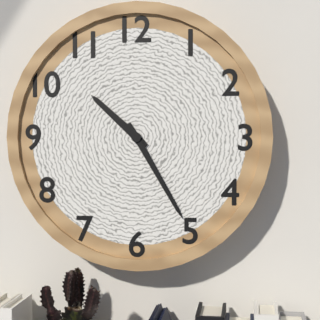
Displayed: 10 h 25 min
